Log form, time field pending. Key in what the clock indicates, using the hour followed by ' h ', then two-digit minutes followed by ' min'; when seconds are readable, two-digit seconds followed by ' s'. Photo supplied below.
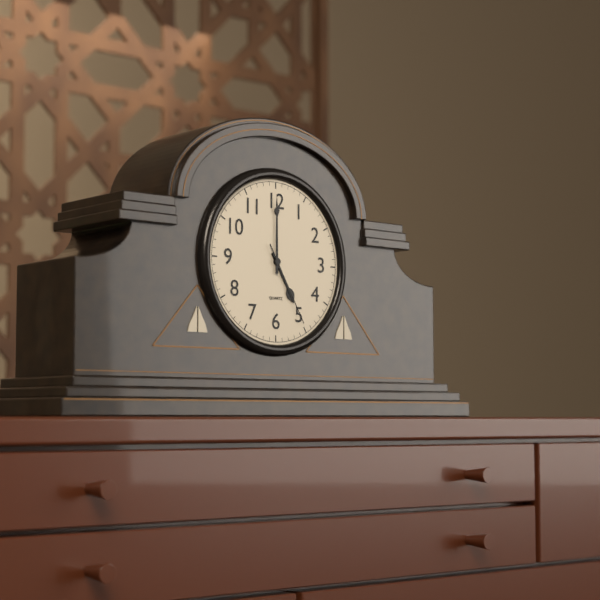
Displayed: 5 h 00 min 25 s
